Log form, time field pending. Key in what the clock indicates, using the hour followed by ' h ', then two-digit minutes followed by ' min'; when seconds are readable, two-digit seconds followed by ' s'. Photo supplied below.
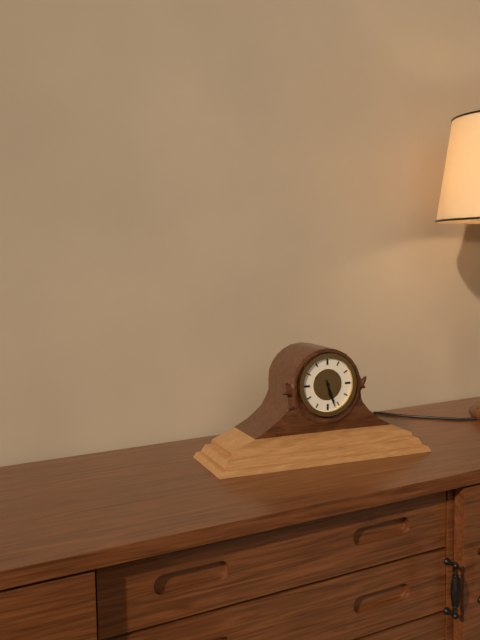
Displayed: 5 h 27 min
